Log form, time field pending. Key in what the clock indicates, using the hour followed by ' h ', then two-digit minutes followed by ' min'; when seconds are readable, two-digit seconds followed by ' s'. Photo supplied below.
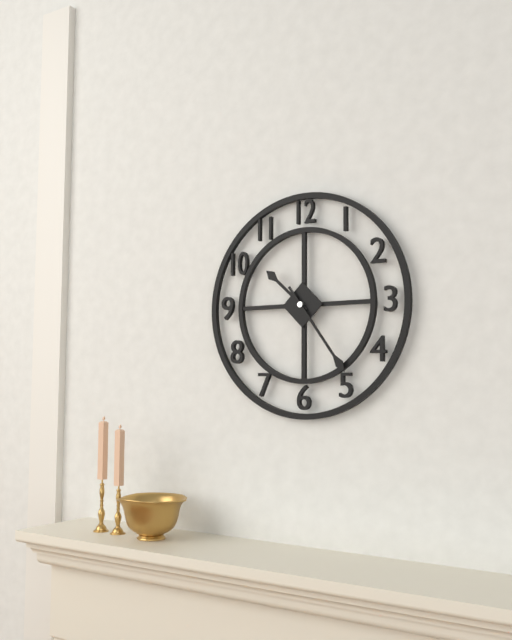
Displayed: 10 h 24 min
